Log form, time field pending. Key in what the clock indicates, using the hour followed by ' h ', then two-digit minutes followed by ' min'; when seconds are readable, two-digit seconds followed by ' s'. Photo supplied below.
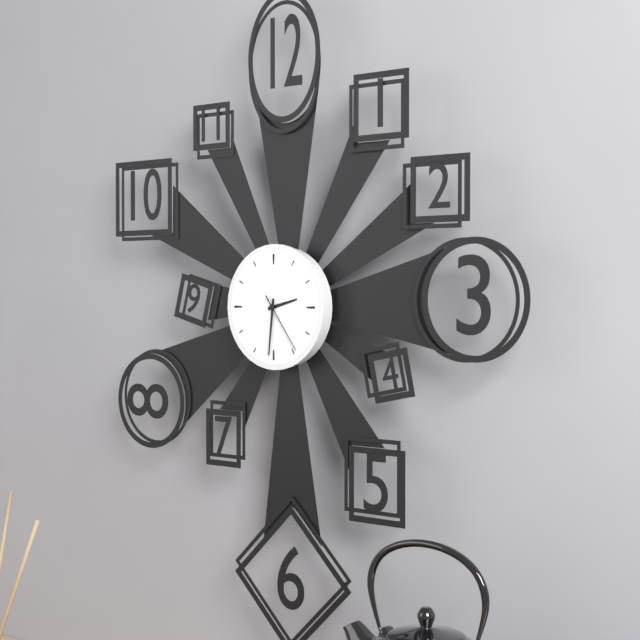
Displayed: 2 h 31 min 24 s
